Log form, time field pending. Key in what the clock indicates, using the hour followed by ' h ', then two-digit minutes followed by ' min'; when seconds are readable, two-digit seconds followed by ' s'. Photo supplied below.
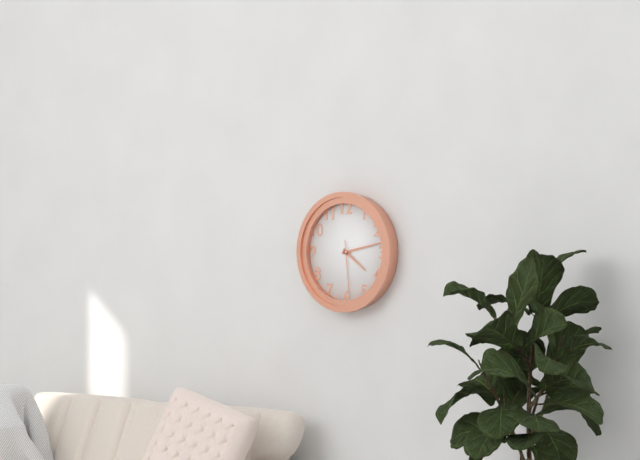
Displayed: 4 h 13 min 29 s
